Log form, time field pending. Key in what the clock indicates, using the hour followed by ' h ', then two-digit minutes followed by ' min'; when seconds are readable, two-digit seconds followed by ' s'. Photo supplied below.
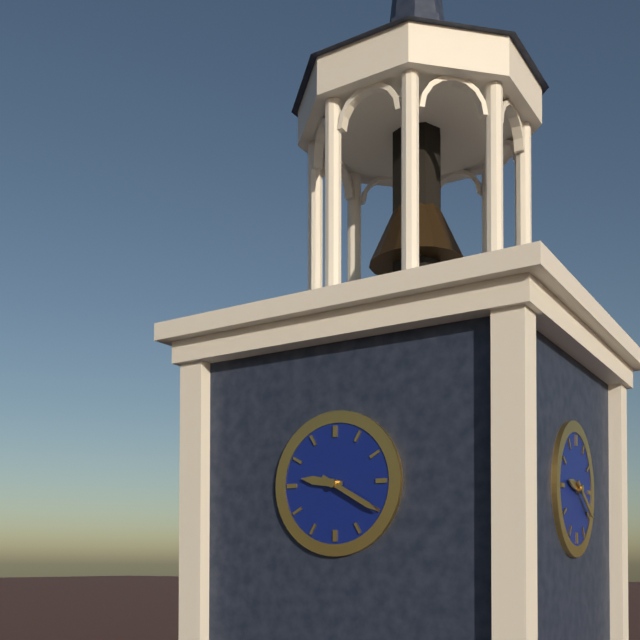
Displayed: 9 h 20 min
